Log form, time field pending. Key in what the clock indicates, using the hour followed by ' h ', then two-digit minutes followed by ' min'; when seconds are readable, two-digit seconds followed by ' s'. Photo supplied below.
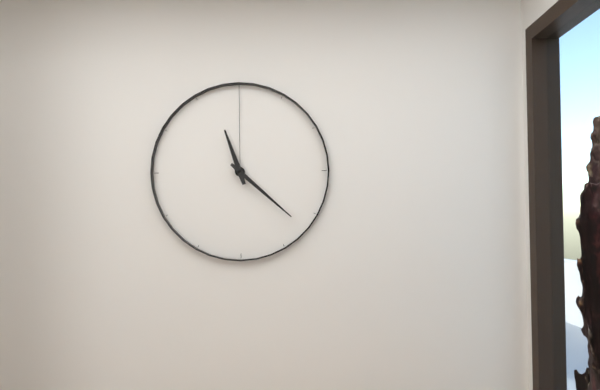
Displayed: 11 h 22 min
